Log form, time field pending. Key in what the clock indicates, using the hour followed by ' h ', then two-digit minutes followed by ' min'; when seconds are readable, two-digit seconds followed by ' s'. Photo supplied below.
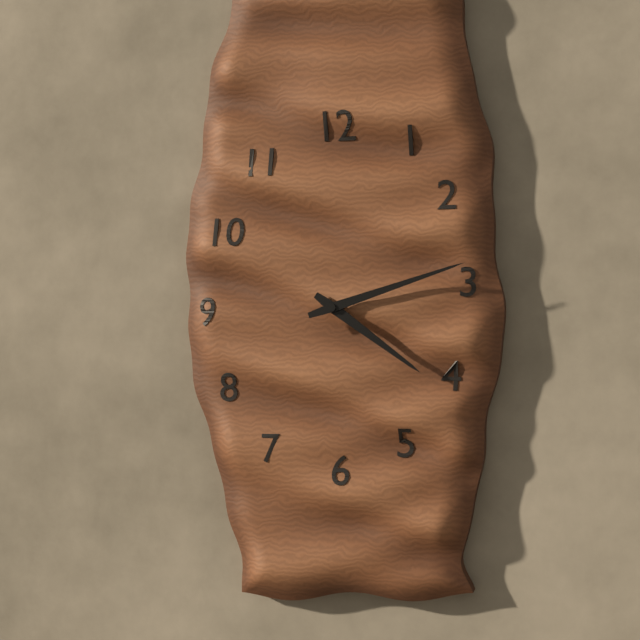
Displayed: 4 h 12 min
